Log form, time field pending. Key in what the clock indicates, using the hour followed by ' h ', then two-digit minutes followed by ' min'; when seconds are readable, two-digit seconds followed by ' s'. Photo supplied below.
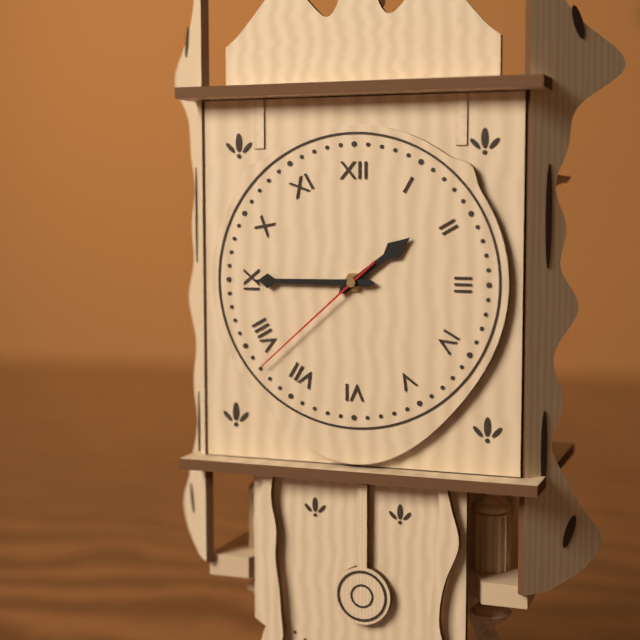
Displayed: 1 h 45 min 38 s
